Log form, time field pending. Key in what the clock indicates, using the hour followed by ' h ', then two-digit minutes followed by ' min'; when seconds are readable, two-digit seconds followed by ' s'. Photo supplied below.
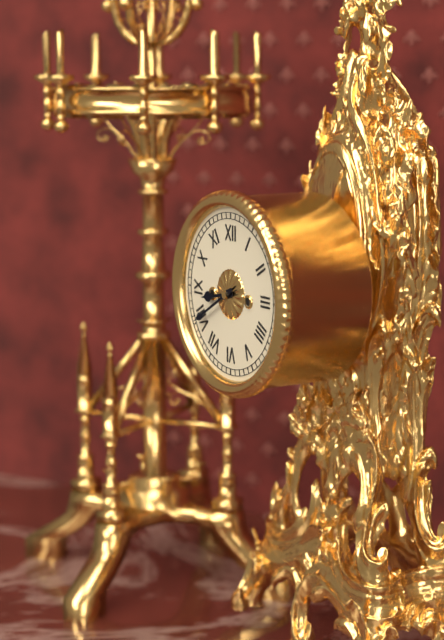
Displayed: 8 h 40 min
